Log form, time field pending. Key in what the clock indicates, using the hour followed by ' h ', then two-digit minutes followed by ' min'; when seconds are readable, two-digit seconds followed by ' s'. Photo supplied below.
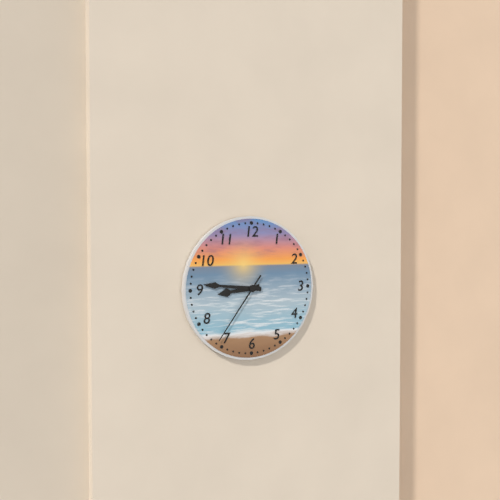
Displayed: 8 h 46 min 36 s
